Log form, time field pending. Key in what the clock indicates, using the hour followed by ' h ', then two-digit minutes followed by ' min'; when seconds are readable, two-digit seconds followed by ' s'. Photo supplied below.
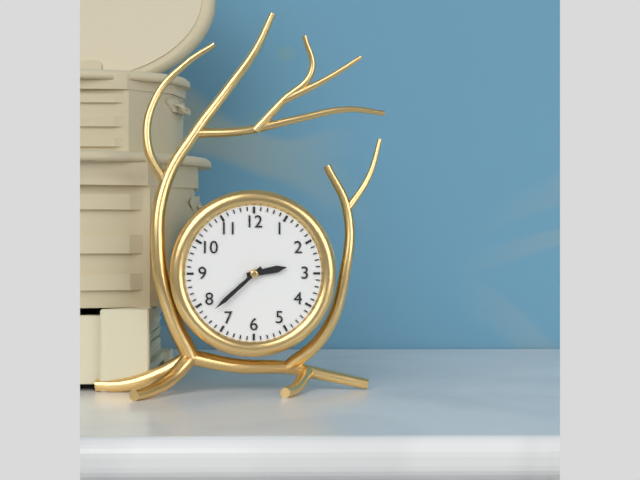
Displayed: 2 h 38 min
